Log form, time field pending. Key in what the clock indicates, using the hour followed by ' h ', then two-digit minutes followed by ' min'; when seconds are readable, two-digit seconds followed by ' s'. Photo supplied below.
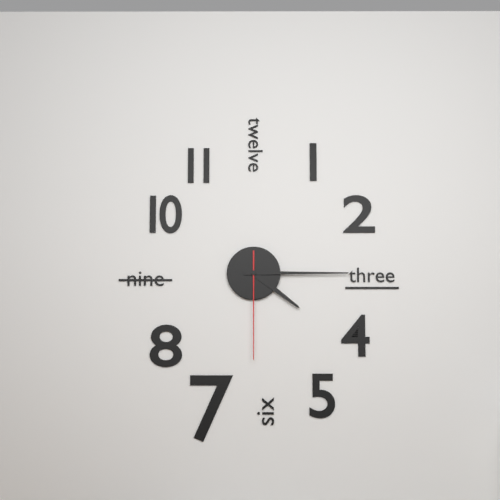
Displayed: 4 h 15 min 30 s
